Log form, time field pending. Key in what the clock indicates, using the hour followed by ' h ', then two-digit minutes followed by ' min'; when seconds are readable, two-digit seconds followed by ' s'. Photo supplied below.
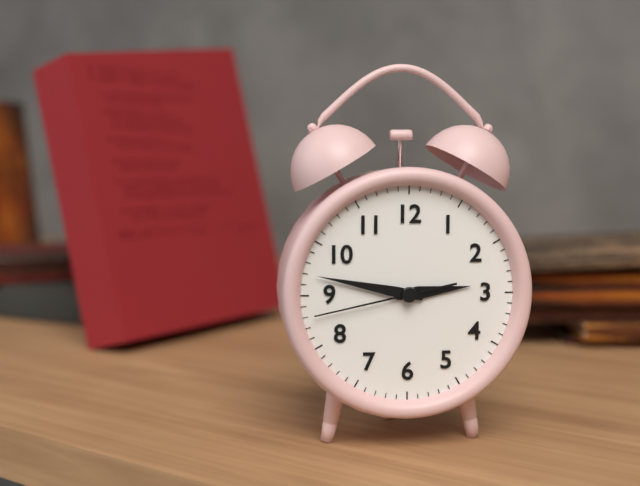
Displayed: 2 h 47 min 43 s
